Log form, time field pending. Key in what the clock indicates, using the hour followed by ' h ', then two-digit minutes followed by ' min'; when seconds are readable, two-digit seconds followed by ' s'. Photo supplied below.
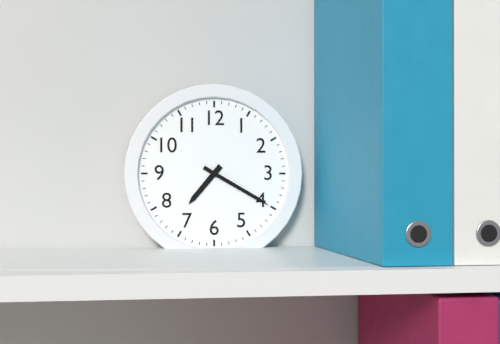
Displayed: 7 h 20 min
